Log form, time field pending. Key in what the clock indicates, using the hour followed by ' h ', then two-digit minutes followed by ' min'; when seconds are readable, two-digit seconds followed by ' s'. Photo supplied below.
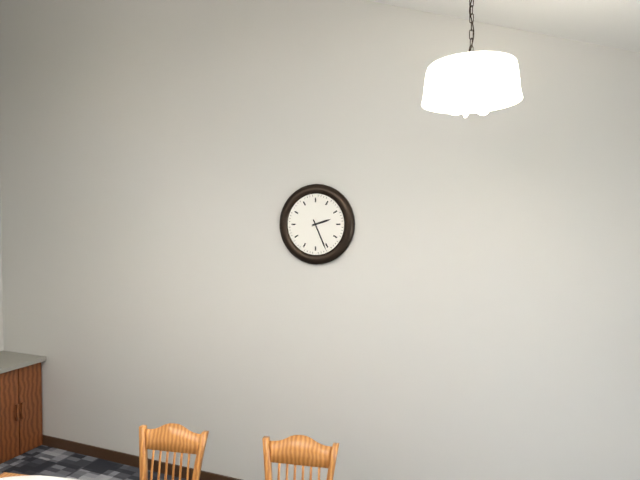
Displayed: 2 h 26 min
